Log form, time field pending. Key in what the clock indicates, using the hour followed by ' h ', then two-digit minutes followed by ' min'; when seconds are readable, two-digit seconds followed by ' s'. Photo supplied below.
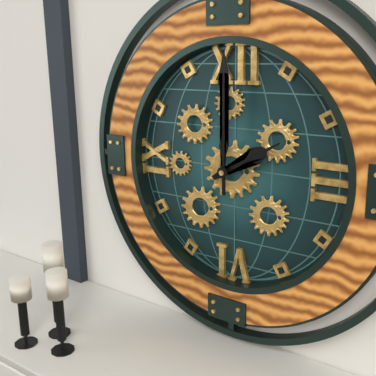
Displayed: 2 h 00 min
